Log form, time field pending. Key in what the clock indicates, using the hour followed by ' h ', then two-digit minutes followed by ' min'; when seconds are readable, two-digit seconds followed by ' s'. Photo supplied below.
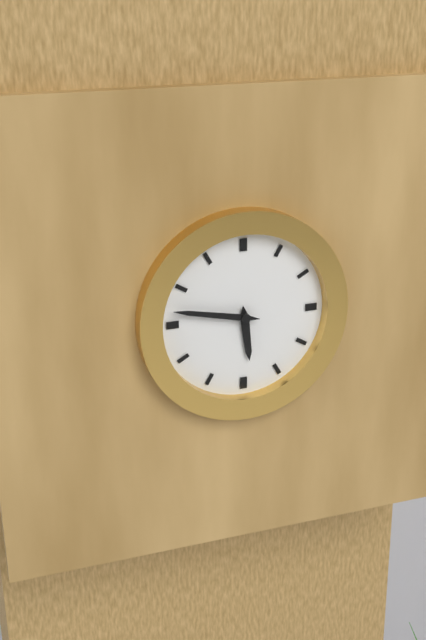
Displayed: 5 h 47 min
